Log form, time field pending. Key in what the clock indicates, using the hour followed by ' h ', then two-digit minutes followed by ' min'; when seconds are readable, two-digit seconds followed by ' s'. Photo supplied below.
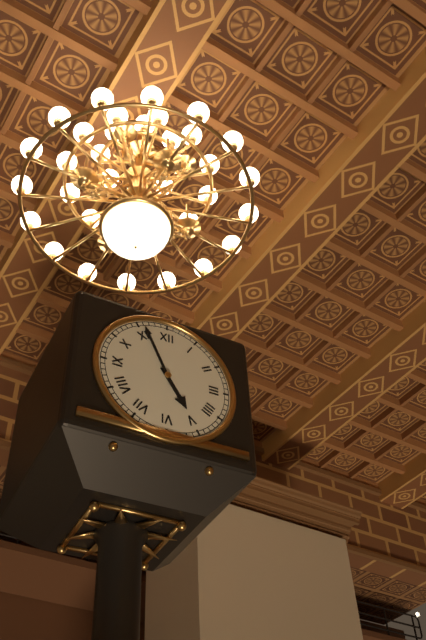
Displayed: 4 h 56 min
